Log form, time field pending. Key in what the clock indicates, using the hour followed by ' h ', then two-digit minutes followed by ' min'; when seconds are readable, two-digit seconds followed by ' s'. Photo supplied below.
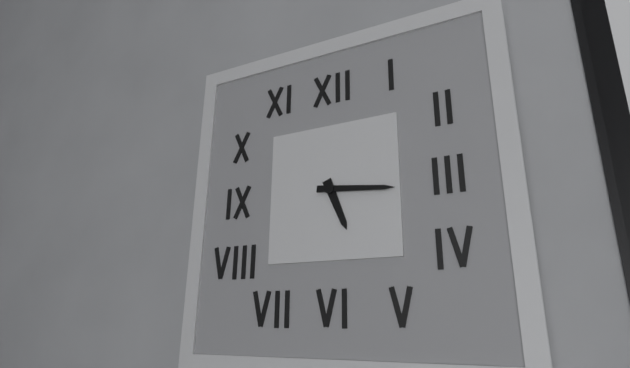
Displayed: 5 h 16 min
